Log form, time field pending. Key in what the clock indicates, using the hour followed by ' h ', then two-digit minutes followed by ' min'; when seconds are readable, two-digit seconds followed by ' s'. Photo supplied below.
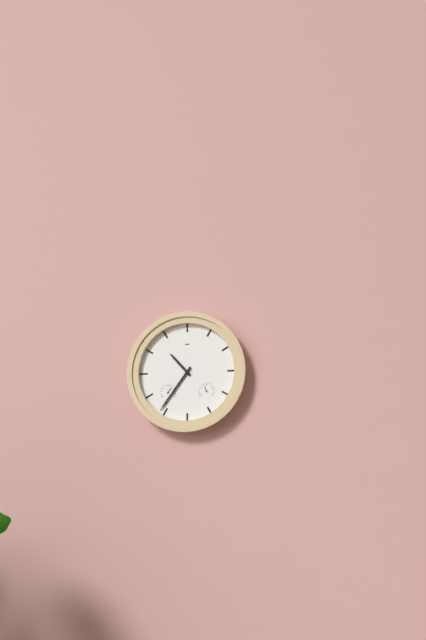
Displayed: 10 h 36 min
